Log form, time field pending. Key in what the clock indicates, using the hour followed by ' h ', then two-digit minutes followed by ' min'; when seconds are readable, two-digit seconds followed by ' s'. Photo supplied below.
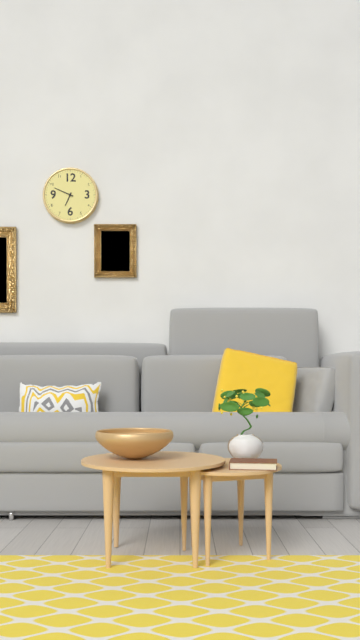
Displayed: 6 h 49 min
